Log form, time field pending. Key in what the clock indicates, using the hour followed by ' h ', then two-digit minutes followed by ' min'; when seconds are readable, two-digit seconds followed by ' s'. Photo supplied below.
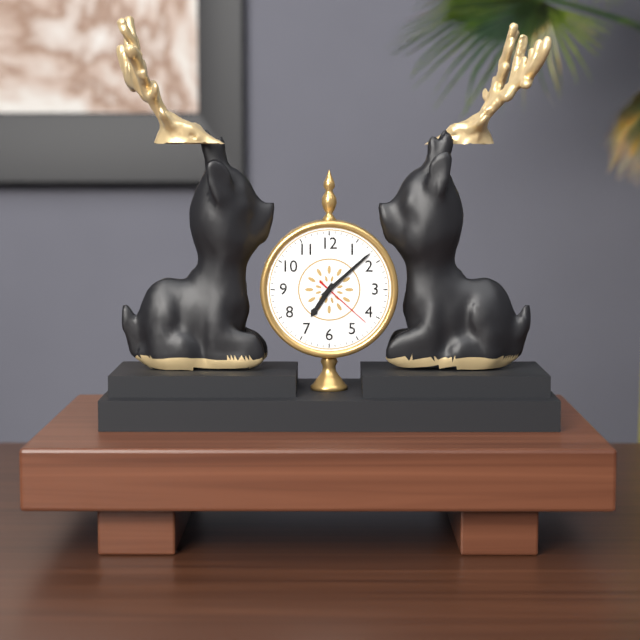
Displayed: 7 h 08 min 22 s
